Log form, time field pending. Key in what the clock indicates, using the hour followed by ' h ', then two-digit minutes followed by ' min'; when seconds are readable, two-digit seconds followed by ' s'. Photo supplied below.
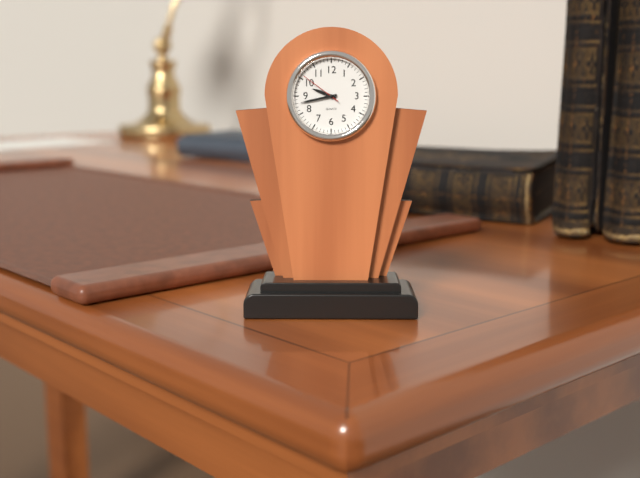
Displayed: 9 h 43 min
